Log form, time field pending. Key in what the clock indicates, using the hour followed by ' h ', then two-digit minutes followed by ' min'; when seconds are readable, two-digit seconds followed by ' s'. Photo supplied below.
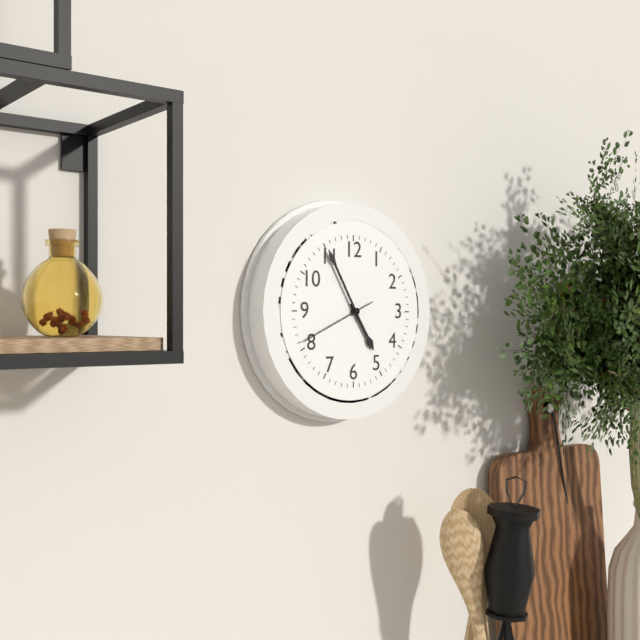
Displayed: 4 h 55 min 41 s
